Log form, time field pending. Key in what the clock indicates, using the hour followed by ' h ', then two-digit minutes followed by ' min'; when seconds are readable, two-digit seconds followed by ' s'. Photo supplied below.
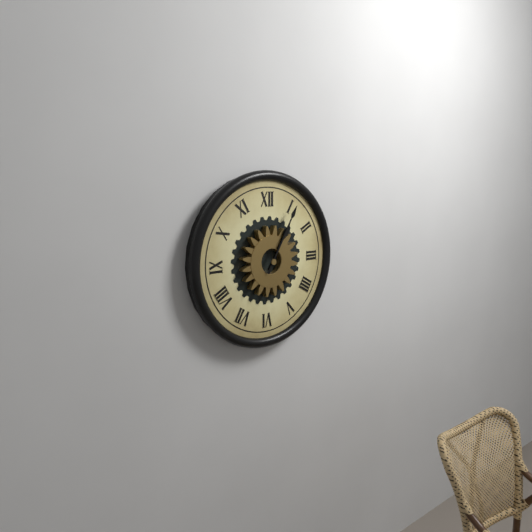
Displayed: 1 h 05 min
